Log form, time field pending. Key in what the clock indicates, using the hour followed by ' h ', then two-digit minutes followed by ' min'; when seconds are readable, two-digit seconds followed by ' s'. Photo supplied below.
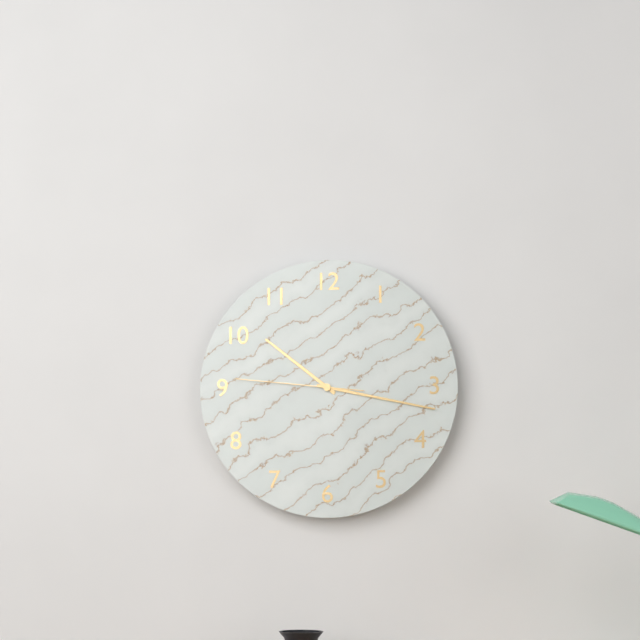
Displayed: 10 h 17 min 46 s
